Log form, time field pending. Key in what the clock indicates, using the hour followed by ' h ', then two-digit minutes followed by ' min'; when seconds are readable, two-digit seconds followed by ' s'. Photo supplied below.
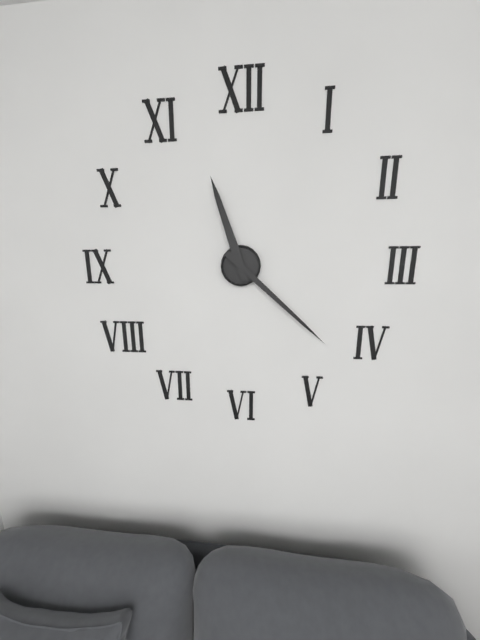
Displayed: 11 h 22 min
